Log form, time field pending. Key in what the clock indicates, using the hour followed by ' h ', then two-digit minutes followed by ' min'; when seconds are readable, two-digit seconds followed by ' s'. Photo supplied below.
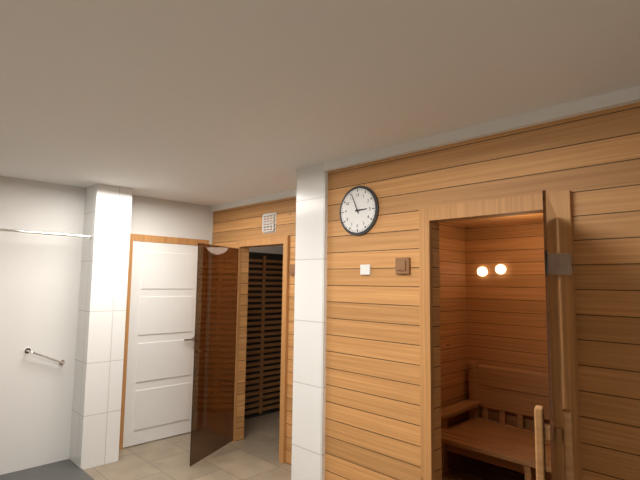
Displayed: 2 h 56 min
